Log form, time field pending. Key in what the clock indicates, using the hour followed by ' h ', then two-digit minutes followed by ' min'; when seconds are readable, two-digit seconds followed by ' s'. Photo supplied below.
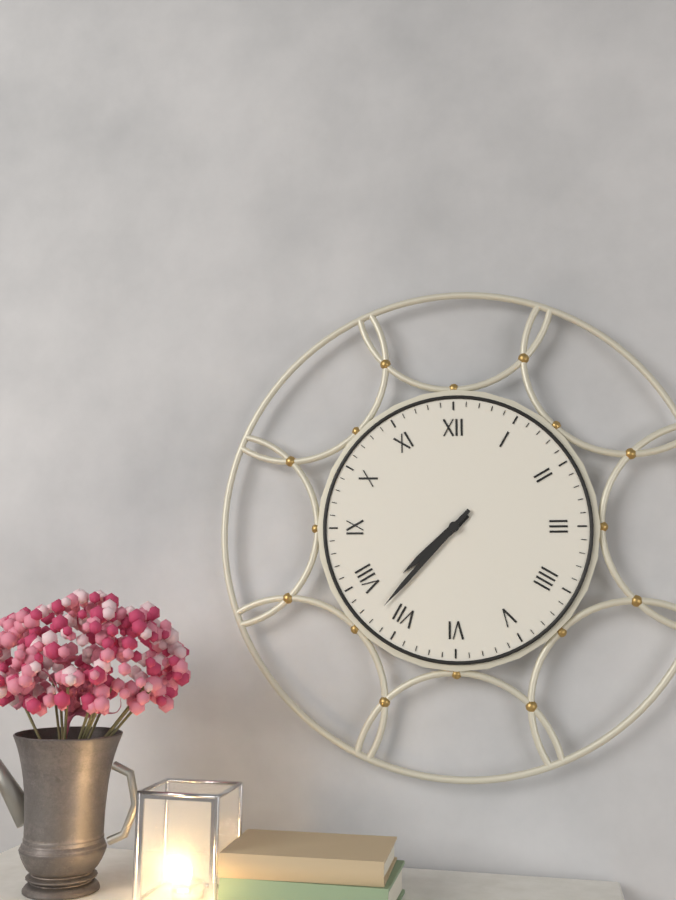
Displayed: 7 h 37 min
